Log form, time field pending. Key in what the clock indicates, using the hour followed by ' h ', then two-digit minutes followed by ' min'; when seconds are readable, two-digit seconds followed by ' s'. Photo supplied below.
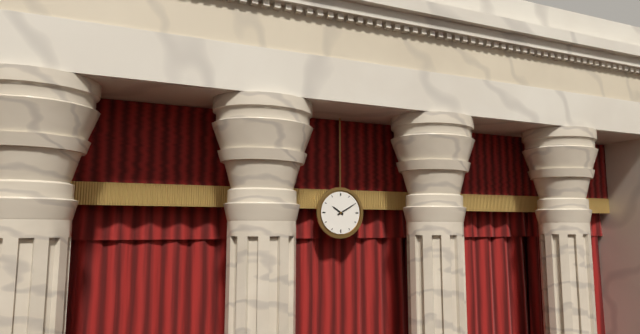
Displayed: 10 h 10 min
